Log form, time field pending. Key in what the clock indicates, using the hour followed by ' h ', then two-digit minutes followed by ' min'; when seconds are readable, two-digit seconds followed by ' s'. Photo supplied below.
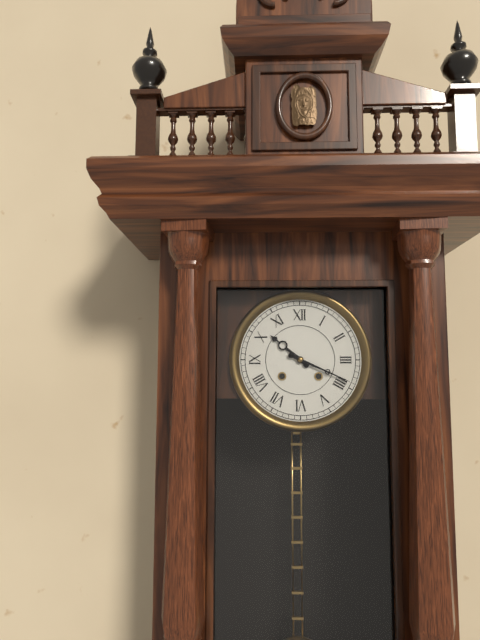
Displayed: 10 h 19 min
